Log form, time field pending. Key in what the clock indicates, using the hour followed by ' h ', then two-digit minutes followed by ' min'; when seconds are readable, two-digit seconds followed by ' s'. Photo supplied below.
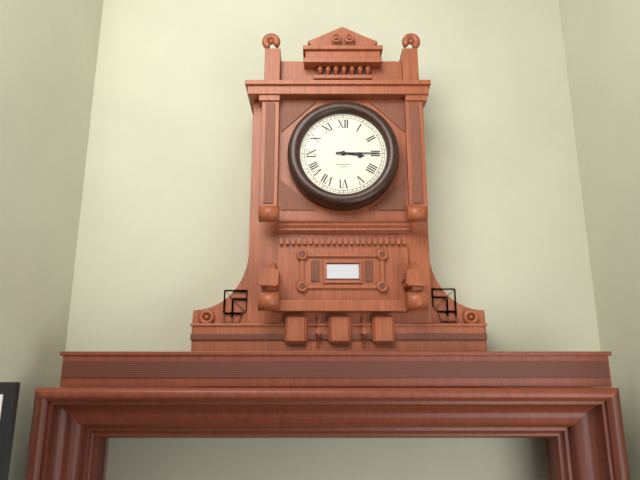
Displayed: 3 h 15 min
